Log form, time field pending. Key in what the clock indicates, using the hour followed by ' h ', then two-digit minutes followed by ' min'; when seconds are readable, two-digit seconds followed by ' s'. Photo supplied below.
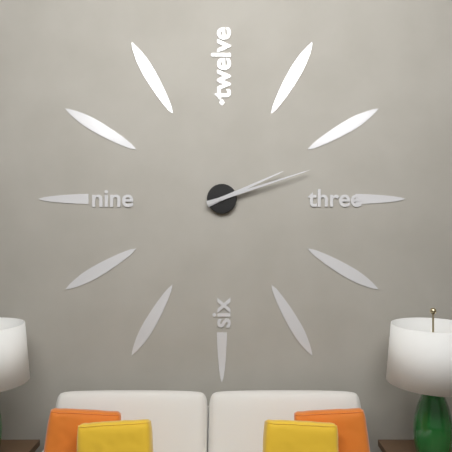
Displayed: 2 h 12 min
